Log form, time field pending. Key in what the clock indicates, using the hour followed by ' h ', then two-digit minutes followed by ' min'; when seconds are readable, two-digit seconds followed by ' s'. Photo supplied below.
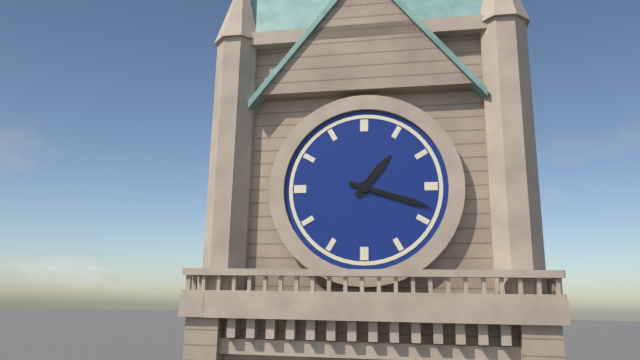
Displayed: 1 h 18 min
